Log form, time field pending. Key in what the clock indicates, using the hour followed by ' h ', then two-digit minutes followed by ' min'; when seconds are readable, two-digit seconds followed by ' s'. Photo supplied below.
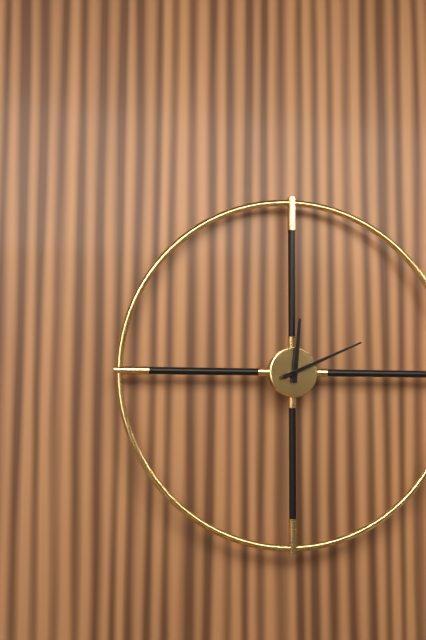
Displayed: 12 h 11 min
